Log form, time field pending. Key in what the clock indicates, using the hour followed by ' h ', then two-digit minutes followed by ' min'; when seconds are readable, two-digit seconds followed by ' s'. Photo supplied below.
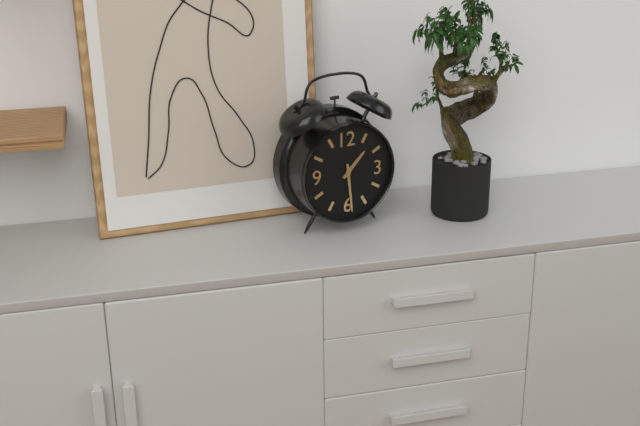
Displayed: 1 h 29 min
